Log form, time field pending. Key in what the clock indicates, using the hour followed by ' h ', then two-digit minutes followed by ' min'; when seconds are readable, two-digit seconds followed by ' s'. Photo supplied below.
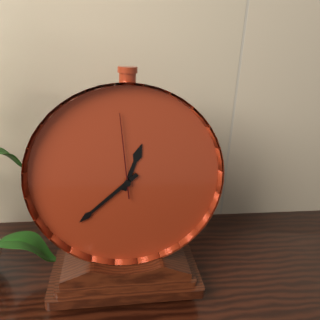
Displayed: 12 h 38 min 59 s
